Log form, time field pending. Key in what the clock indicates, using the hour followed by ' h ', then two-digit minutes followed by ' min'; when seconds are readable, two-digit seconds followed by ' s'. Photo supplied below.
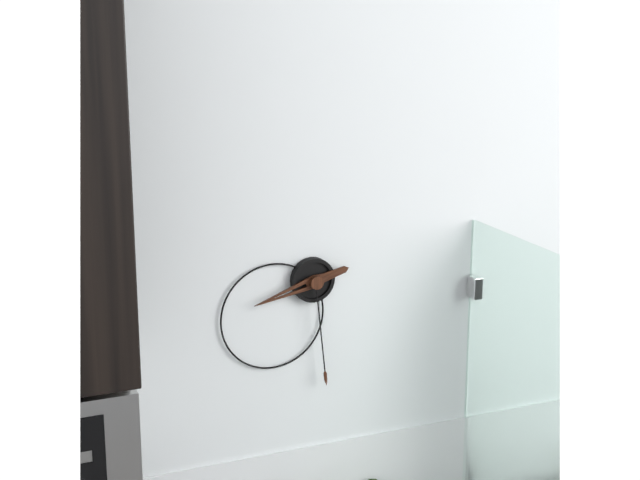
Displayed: 8 h 29 min
